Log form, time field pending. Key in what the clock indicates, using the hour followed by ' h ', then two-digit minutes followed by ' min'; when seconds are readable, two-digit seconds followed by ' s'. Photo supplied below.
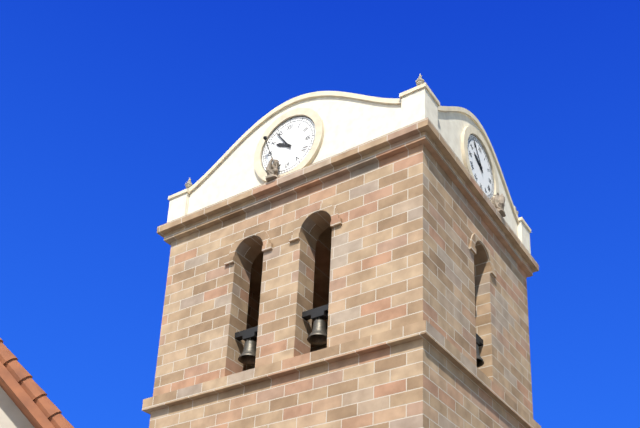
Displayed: 9 h 54 min
